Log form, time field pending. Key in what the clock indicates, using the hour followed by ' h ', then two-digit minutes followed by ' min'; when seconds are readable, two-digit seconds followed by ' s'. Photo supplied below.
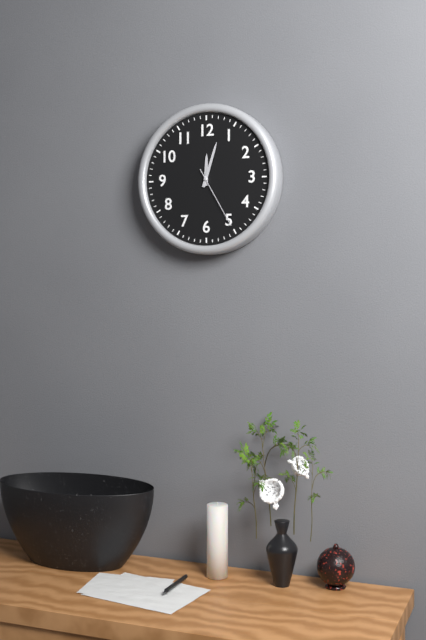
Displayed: 12 h 03 min 25 s
